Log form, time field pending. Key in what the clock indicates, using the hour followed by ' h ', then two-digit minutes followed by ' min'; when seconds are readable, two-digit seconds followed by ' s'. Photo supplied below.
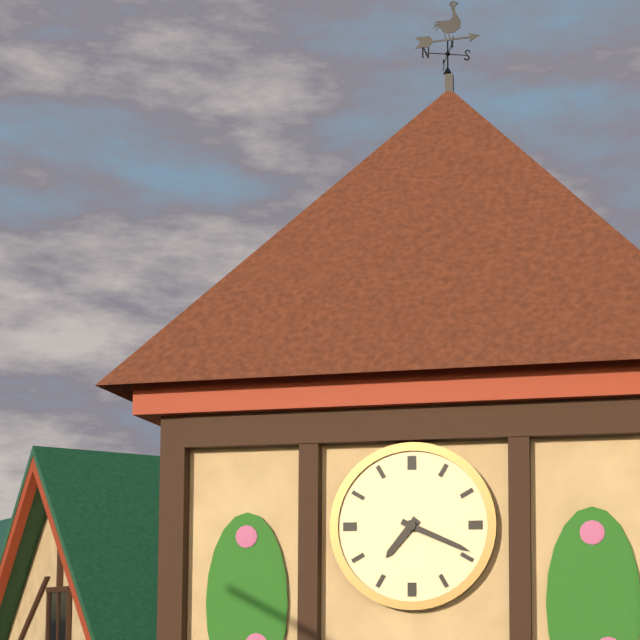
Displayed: 7 h 19 min
